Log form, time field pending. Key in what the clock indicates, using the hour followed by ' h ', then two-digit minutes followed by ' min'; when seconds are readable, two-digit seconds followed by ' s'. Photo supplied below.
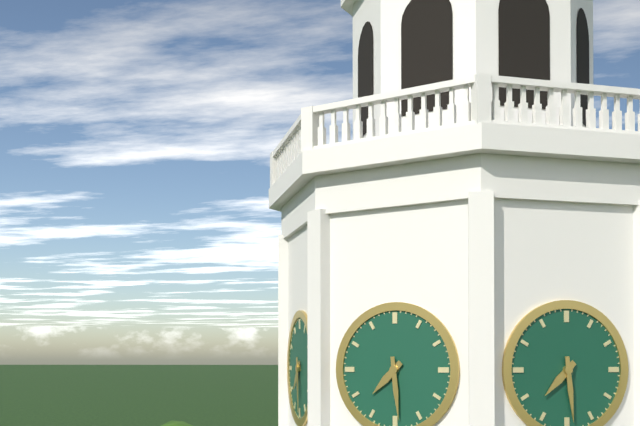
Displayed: 7 h 29 min
